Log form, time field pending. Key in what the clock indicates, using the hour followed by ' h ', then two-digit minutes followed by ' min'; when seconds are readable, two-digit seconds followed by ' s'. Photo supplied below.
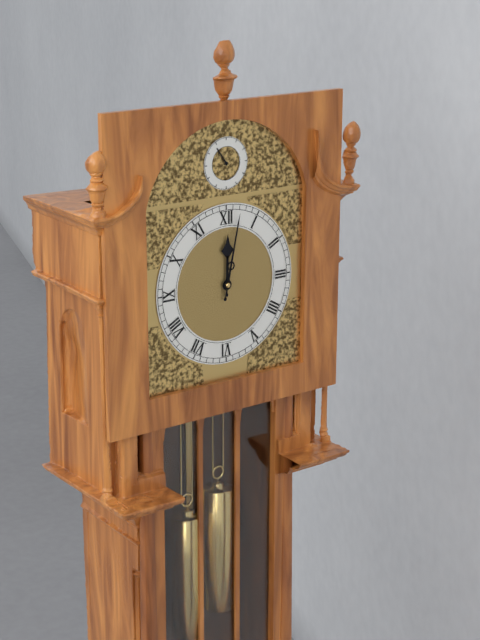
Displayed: 12 h 02 min
